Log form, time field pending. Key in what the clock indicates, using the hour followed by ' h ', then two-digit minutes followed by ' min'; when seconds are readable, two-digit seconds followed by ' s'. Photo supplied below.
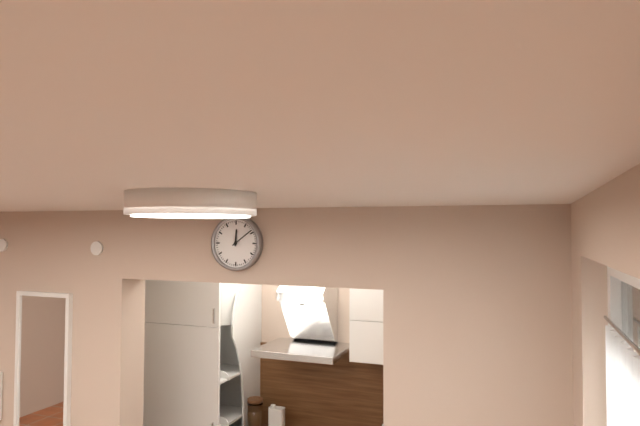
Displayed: 12 h 09 min
